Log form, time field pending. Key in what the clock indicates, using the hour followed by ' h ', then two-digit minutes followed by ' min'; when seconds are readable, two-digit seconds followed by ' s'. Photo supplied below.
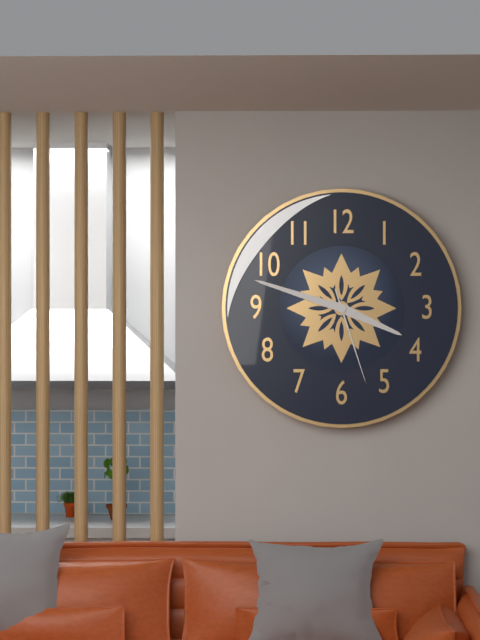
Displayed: 3 h 48 min 27 s
